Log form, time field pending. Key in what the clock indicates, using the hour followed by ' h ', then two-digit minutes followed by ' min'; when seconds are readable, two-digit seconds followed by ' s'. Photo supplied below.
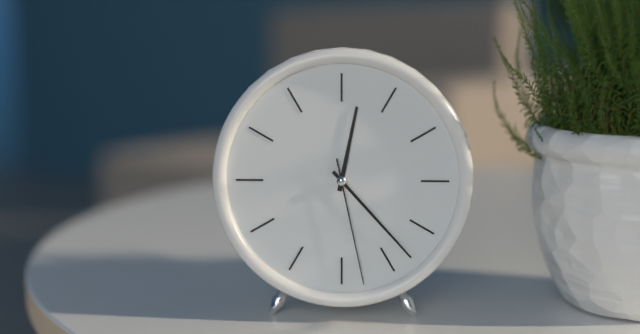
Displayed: 12 h 23 min 28 s
